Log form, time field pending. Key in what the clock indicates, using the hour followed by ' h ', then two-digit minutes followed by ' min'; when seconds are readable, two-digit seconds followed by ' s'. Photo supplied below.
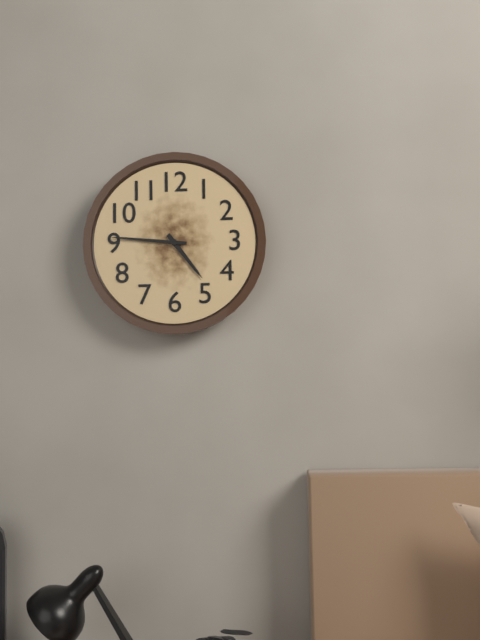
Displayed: 4 h 46 min
